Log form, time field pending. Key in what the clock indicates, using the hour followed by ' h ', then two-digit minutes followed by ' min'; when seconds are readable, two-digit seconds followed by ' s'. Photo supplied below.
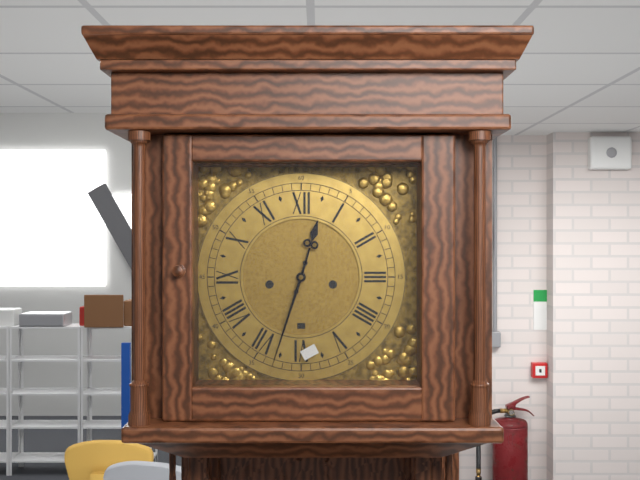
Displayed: 12 h 33 min
